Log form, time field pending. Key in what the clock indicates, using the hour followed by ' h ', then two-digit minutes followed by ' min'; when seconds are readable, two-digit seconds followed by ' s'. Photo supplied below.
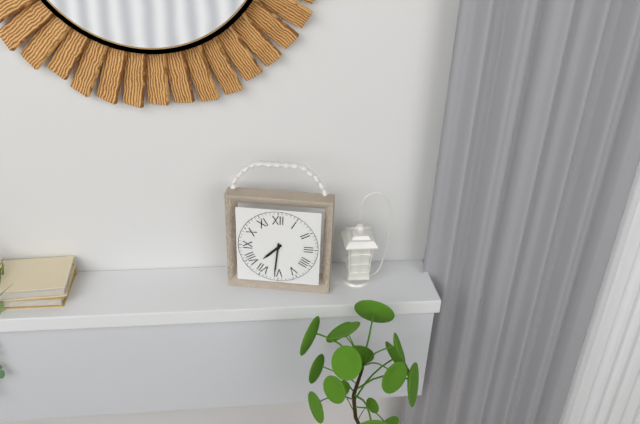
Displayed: 7 h 31 min
